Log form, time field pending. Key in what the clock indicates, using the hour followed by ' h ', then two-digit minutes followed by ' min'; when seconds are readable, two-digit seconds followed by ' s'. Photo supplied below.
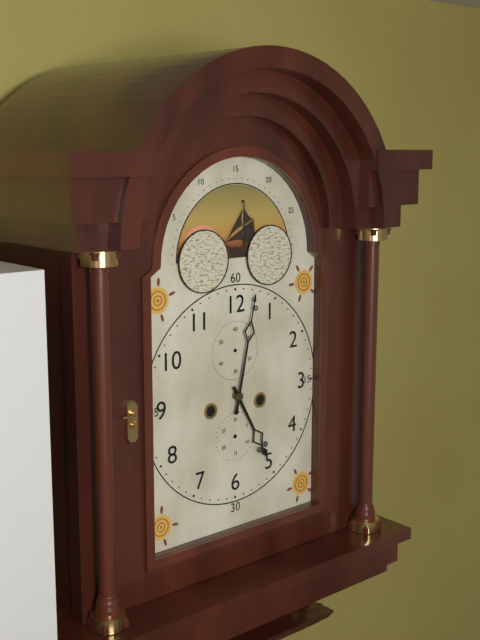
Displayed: 5 h 02 min
